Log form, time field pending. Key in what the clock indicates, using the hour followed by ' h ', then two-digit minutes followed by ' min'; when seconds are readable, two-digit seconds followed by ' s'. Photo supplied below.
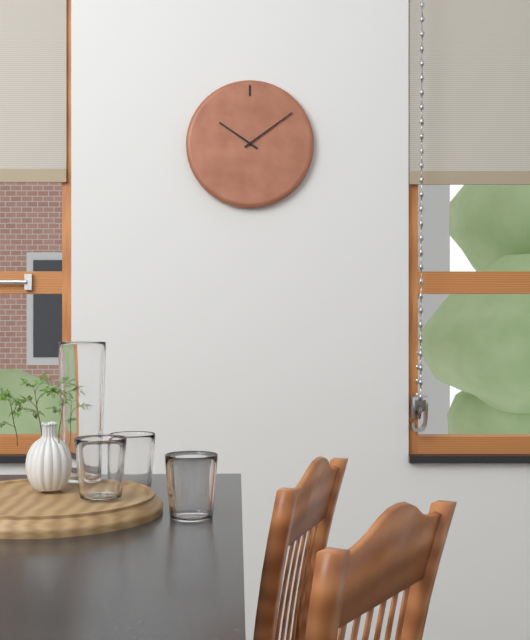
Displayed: 10 h 09 min
